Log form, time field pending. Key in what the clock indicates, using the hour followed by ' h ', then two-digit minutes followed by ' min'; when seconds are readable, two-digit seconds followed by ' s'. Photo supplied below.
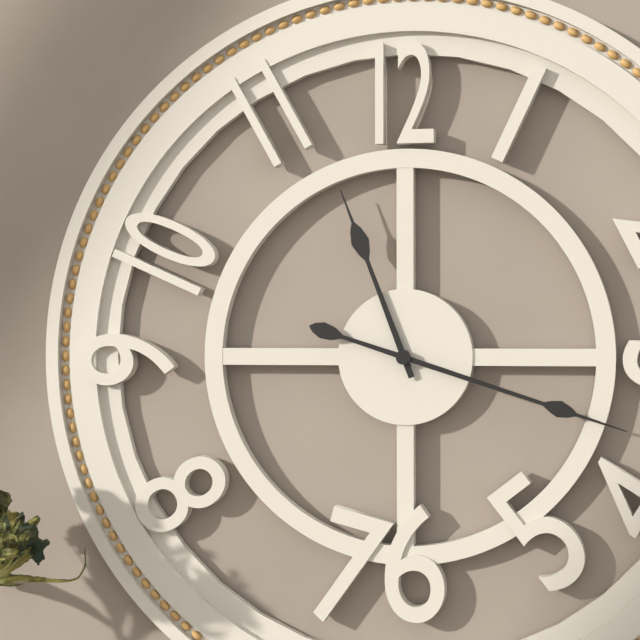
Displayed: 11 h 18 min
